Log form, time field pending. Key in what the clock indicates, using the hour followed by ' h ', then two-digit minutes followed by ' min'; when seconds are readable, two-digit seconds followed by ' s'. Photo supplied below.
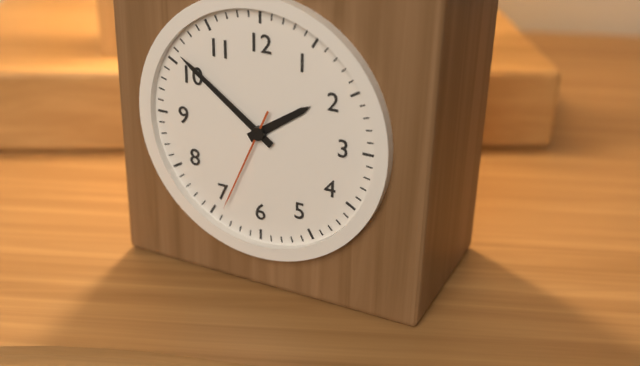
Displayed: 1 h 51 min 34 s
